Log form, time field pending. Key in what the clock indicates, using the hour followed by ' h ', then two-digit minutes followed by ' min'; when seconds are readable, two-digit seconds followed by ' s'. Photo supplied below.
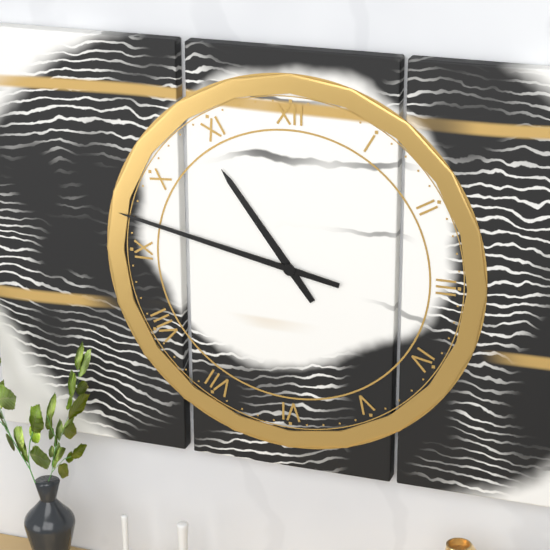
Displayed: 10 h 47 min
